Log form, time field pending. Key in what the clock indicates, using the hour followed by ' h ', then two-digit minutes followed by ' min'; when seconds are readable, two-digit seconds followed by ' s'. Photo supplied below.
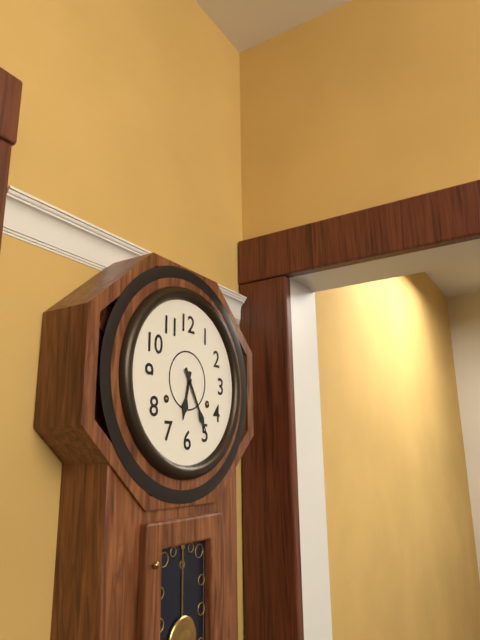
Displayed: 6 h 25 min
